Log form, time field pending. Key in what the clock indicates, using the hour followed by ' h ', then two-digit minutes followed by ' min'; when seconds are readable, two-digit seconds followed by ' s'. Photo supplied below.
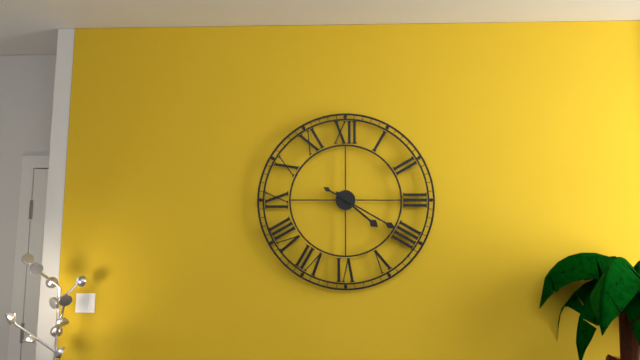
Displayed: 4 h 20 min
